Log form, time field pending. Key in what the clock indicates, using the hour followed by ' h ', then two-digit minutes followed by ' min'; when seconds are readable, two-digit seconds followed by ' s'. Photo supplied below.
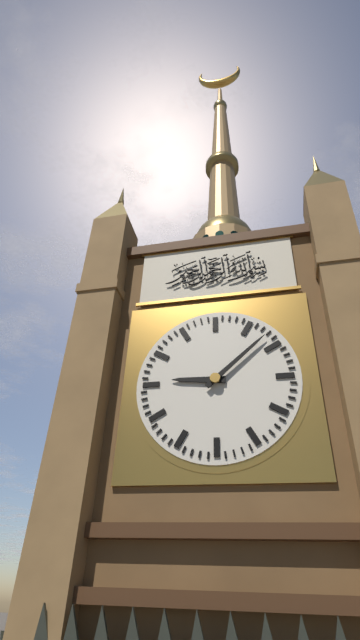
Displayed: 9 h 08 min
